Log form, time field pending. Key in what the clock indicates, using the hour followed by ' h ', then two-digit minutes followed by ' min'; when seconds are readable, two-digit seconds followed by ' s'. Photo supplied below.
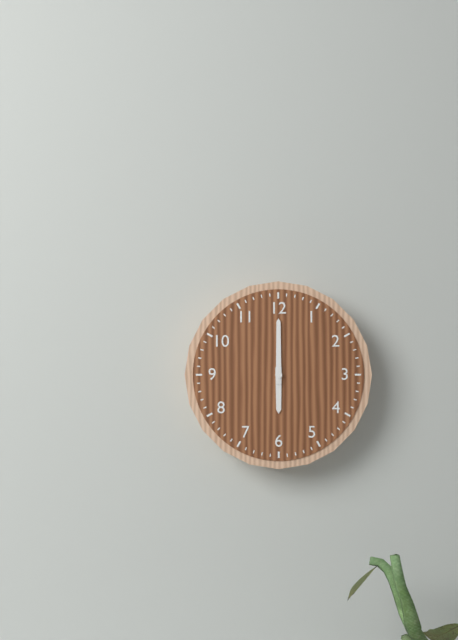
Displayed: 6 h 00 min
